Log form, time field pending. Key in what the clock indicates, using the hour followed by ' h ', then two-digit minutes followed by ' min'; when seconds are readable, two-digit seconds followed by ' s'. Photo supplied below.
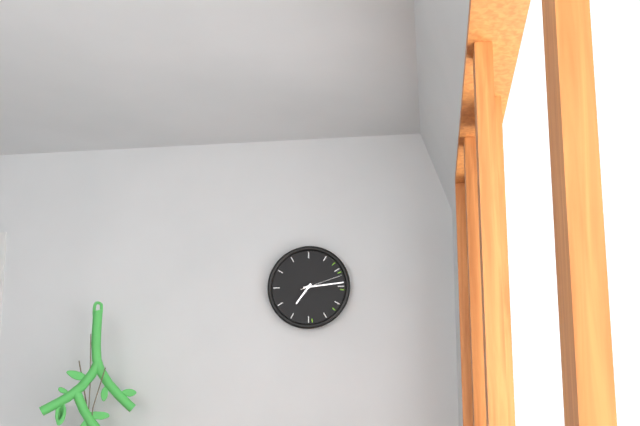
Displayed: 7 h 14 min
